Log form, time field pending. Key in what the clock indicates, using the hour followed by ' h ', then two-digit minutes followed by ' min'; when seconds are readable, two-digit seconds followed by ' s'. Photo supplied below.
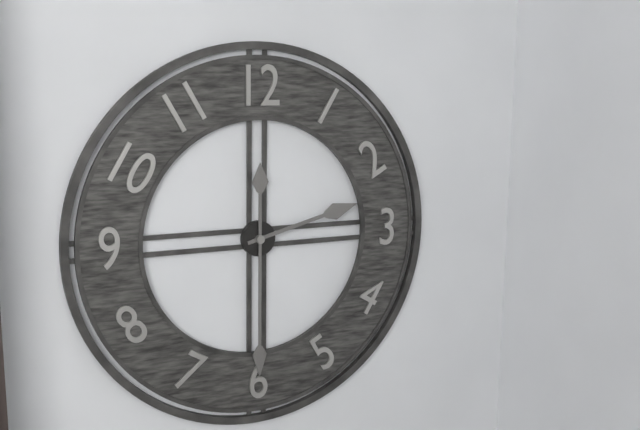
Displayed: 2 h 30 min
